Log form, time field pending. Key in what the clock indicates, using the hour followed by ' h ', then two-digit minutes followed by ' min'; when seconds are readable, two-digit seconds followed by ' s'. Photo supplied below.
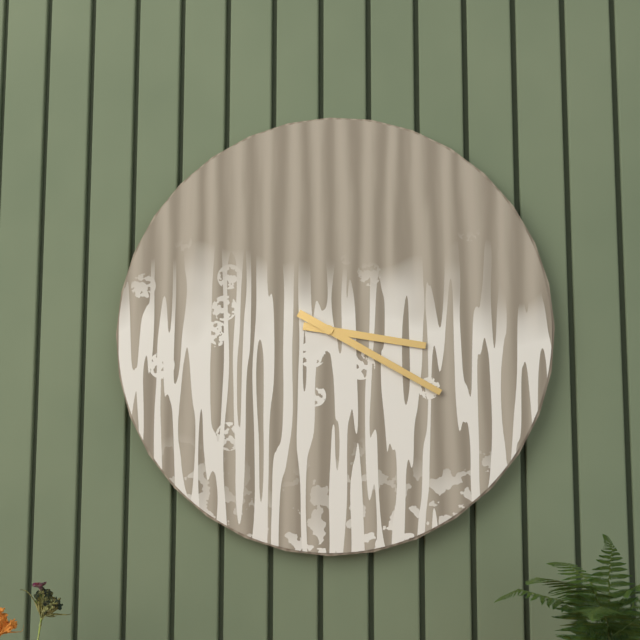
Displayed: 3 h 20 min
